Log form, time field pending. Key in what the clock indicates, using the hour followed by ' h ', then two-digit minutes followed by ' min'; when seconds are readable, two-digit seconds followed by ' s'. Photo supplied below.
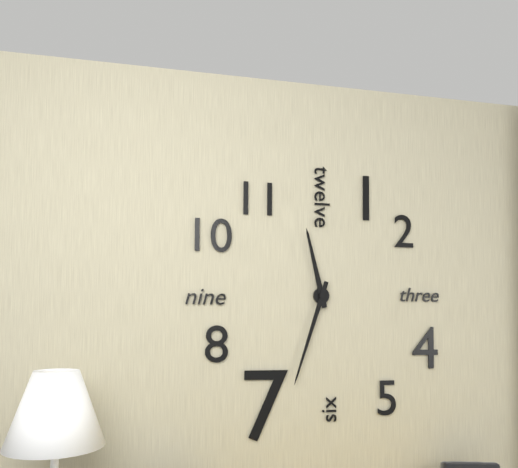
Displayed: 11 h 33 min
